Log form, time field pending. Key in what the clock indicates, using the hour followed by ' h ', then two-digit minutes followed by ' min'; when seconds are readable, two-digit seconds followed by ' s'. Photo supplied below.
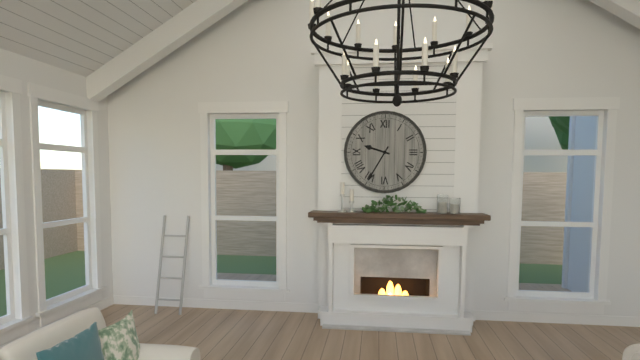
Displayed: 9 h 35 min
